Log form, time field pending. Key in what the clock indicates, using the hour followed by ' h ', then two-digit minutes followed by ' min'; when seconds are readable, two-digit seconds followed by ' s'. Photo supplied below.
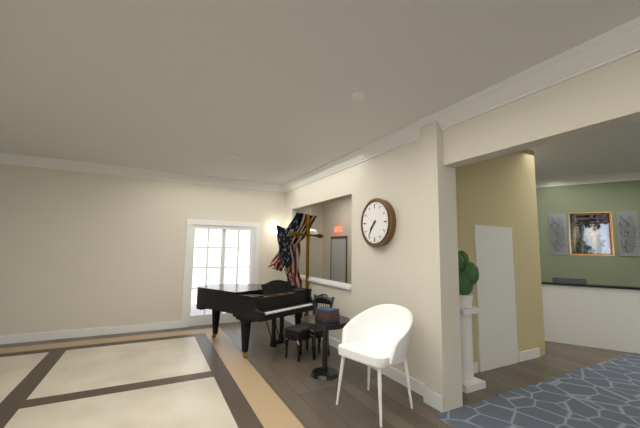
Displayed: 7 h 36 min
